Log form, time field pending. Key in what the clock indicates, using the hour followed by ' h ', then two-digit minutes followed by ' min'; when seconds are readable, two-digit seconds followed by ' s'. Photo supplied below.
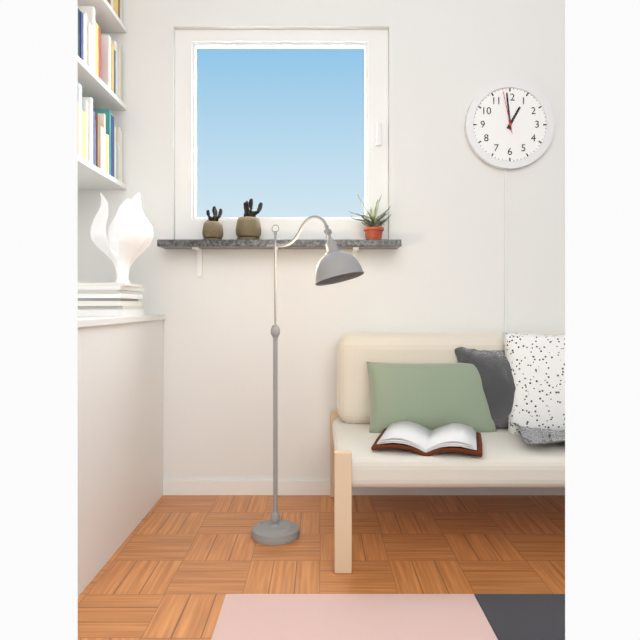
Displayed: 12 h 59 min
